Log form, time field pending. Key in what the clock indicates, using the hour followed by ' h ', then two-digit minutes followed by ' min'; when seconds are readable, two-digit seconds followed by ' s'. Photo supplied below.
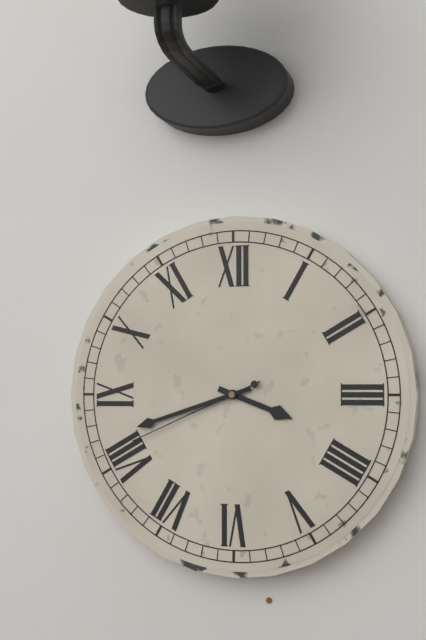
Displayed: 3 h 42 min 41 s
